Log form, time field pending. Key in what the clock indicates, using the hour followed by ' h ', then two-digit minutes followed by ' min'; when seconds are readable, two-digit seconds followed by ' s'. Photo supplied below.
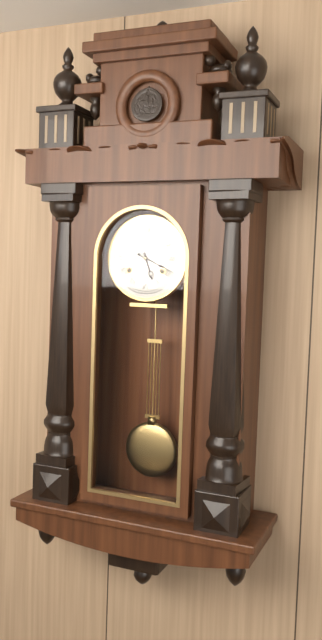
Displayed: 5 h 19 min
